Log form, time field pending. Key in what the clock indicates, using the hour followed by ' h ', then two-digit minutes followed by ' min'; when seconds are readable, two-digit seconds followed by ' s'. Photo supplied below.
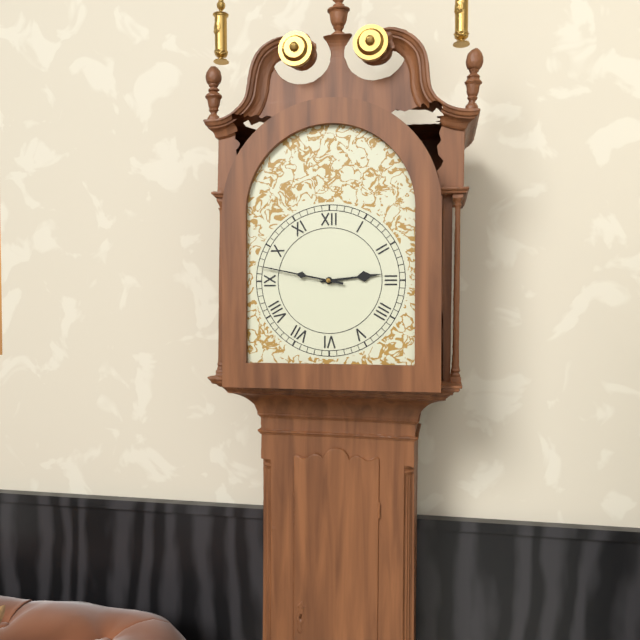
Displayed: 2 h 47 min
